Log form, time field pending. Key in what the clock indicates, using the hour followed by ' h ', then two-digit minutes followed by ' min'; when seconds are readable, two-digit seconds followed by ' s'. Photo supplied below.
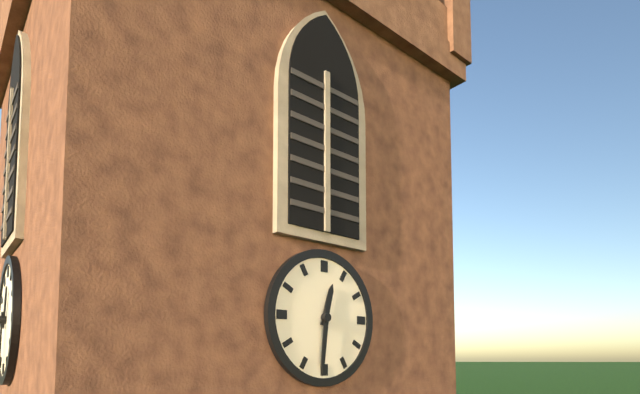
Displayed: 12 h 31 min
